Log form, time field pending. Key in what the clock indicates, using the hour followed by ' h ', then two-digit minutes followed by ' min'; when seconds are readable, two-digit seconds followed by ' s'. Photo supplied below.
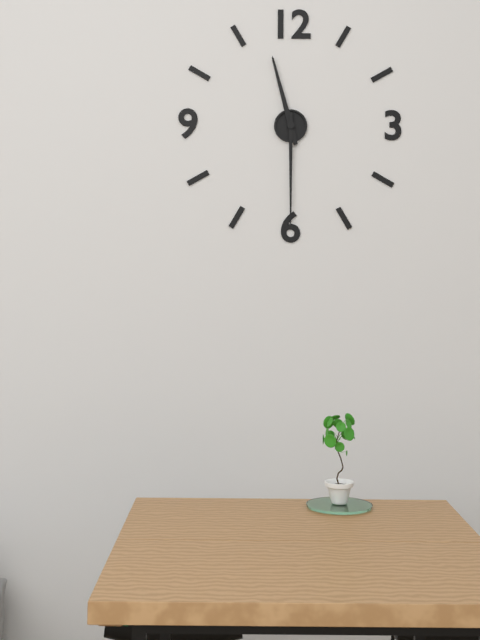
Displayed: 11 h 30 min
